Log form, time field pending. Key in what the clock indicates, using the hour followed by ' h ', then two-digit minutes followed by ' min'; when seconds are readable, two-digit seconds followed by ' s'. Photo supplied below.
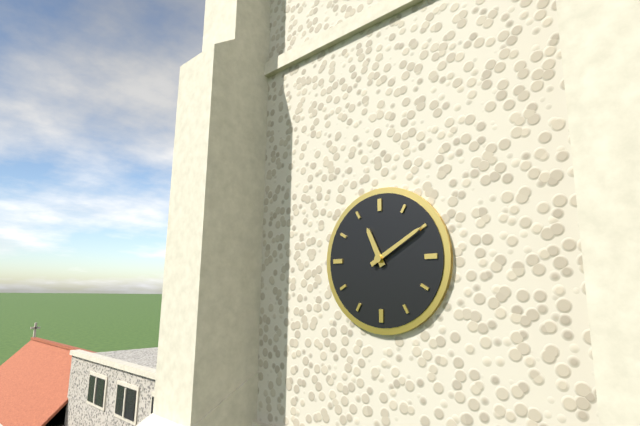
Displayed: 11 h 10 min
